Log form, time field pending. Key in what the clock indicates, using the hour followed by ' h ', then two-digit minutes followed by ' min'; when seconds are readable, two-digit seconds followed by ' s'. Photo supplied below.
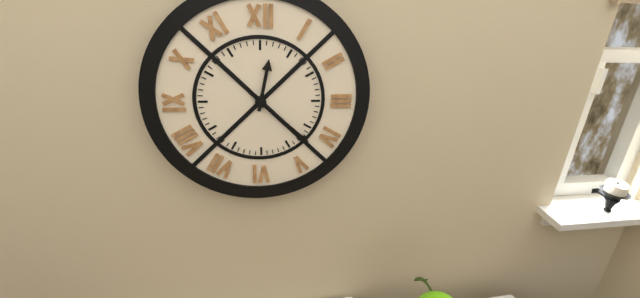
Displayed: 12 h 22 min
